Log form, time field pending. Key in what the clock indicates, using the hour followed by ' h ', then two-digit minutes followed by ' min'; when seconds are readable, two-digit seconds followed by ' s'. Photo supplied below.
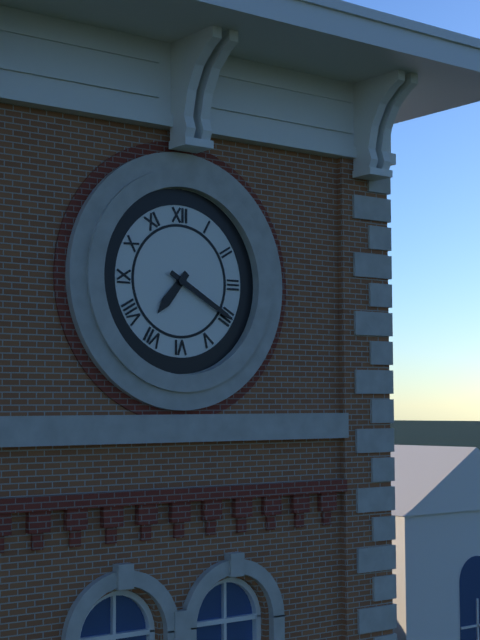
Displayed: 7 h 20 min
